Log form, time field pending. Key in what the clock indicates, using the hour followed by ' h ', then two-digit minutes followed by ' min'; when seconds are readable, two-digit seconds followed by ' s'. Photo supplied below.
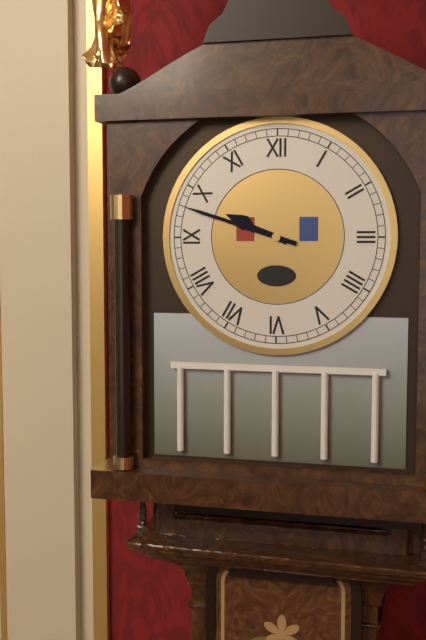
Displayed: 9 h 48 min
